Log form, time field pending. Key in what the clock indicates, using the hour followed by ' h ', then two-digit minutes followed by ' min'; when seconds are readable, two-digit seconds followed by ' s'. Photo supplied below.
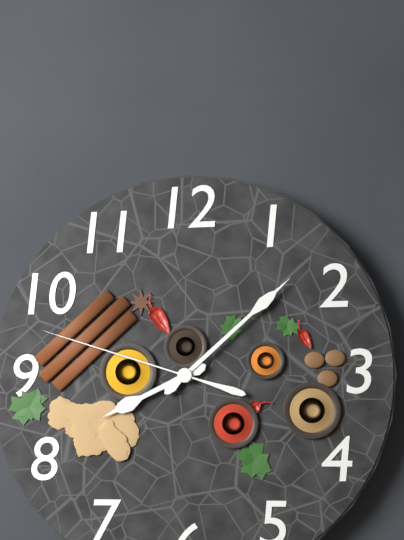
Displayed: 8 h 08 min 48 s
